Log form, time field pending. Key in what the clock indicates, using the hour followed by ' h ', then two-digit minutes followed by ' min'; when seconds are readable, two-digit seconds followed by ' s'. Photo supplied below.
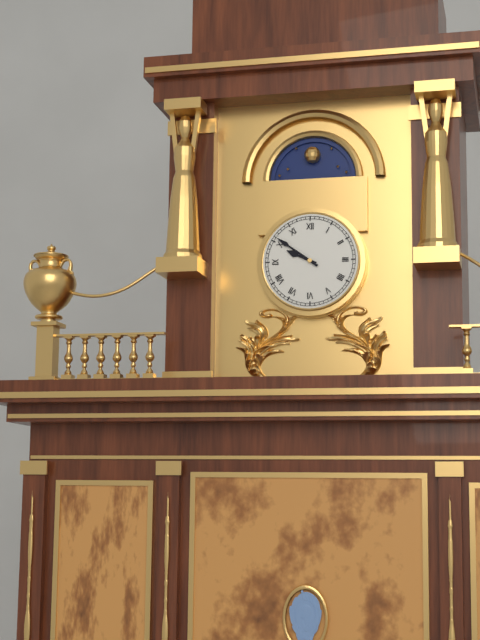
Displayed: 9 h 51 min
